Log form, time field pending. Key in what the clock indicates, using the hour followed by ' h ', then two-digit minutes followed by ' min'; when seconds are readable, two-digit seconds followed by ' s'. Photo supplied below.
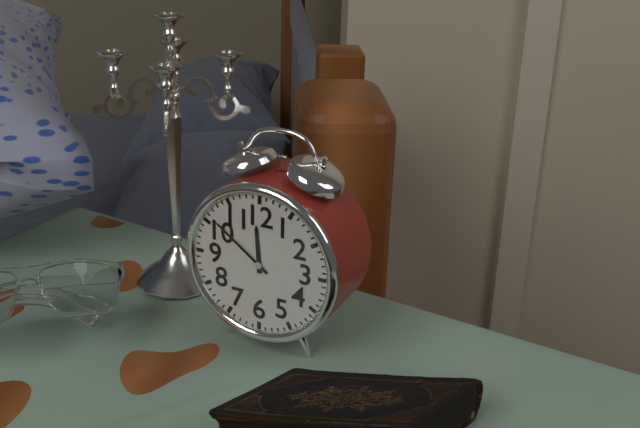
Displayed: 11 h 51 min
